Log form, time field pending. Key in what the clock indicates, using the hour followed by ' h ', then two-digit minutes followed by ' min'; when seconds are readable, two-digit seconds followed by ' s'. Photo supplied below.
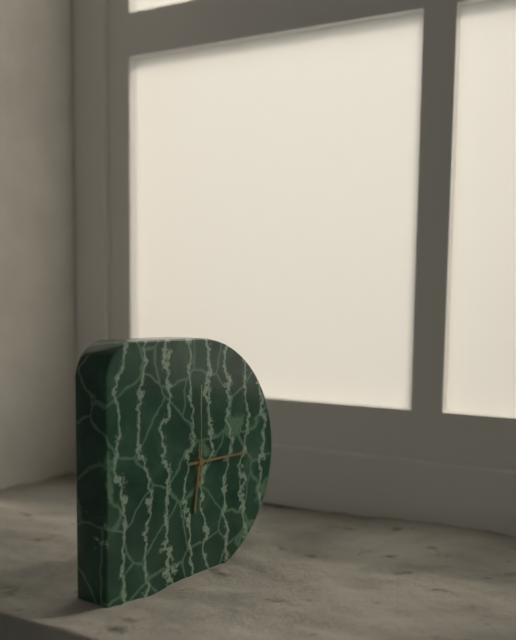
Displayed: 6 h 15 min 00 s
